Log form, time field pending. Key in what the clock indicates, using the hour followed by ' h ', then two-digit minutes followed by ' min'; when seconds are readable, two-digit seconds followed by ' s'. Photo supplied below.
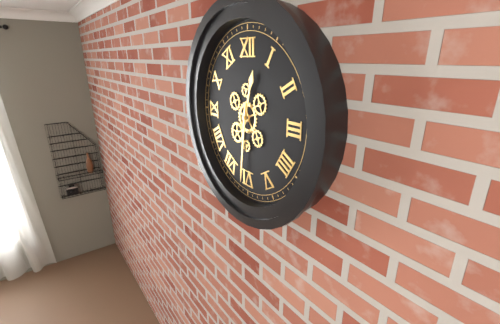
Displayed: 12 h 31 min
